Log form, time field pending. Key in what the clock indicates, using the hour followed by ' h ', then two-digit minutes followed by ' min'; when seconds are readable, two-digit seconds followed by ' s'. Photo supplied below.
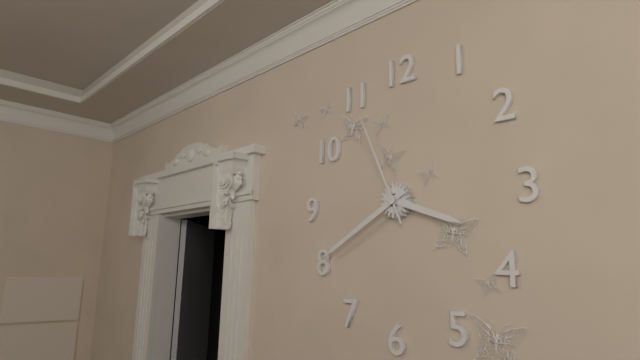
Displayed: 3 h 40 min 56 s
